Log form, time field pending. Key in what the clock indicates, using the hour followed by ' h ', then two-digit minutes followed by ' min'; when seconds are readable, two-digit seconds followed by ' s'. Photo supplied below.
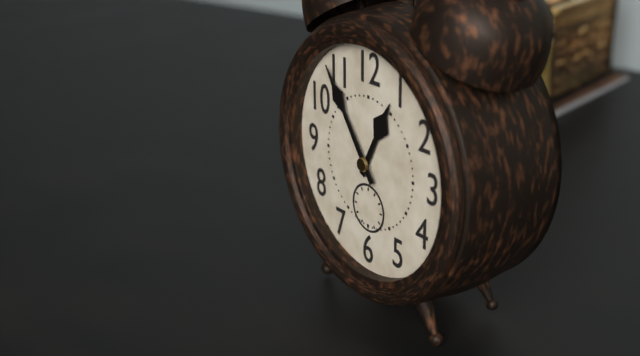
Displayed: 12 h 54 min
